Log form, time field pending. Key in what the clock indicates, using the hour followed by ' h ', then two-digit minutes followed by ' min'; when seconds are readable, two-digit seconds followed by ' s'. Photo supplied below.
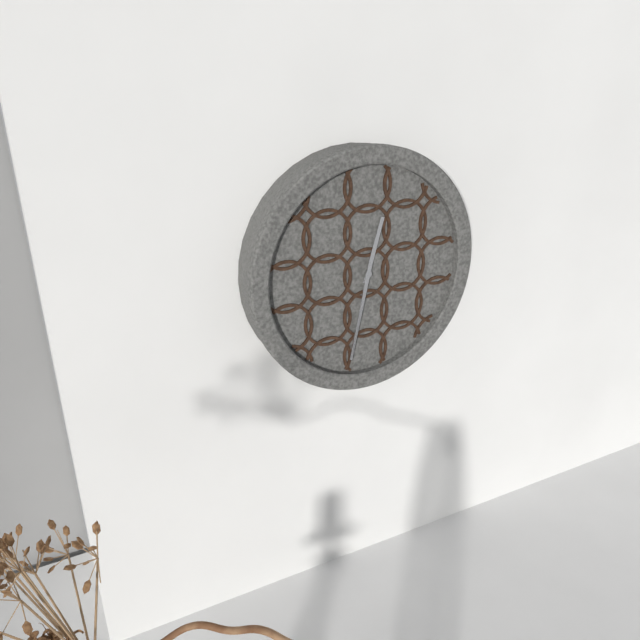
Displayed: 12 h 32 min
